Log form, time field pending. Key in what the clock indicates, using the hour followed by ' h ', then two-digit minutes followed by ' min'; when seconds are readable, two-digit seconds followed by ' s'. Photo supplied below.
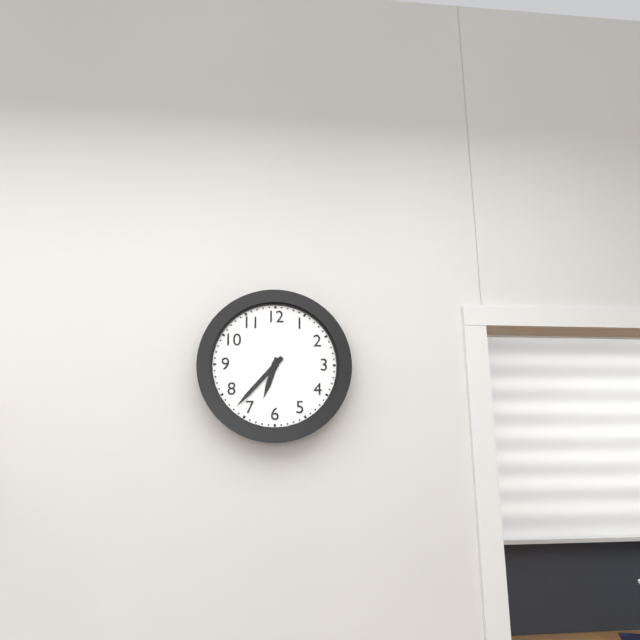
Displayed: 6 h 37 min
